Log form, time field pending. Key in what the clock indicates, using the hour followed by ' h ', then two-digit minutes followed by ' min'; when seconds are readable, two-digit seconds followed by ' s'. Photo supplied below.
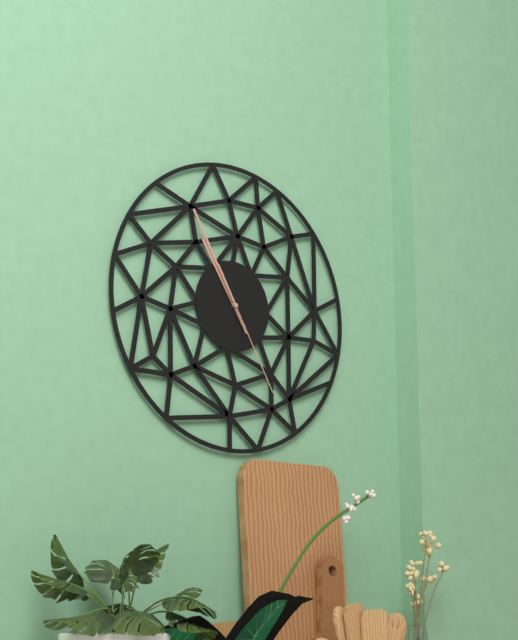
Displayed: 10 h 55 min 25 s
